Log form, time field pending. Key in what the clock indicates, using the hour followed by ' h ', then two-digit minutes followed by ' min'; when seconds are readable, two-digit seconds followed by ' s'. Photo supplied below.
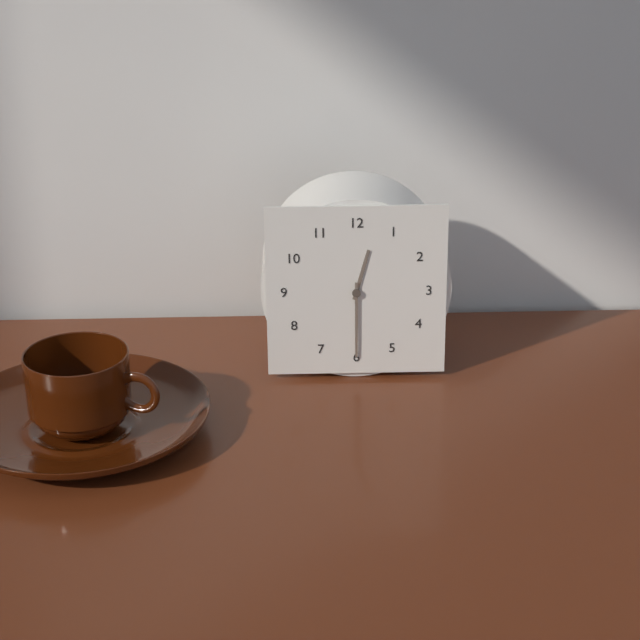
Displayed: 12 h 30 min
